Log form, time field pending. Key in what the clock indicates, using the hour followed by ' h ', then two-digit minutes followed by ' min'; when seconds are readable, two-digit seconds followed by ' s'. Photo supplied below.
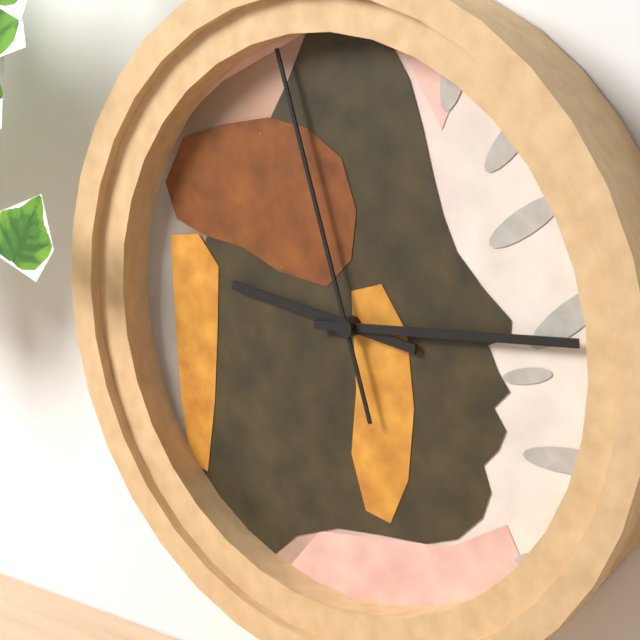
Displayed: 9 h 14 min 57 s
